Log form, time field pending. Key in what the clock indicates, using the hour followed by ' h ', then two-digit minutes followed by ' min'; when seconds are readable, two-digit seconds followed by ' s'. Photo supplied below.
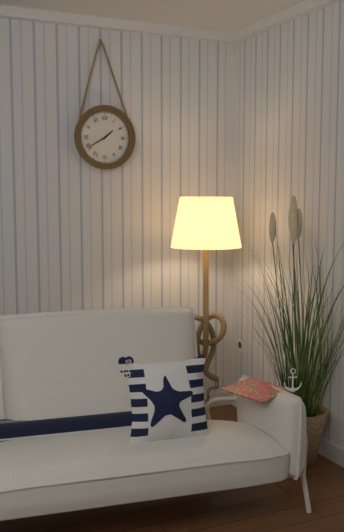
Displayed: 1 h 40 min
